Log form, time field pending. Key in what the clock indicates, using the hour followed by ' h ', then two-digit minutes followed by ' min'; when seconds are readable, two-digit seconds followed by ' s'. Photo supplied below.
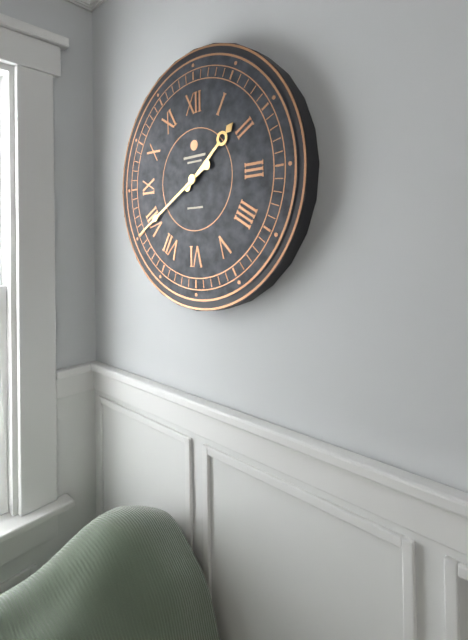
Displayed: 1 h 40 min
